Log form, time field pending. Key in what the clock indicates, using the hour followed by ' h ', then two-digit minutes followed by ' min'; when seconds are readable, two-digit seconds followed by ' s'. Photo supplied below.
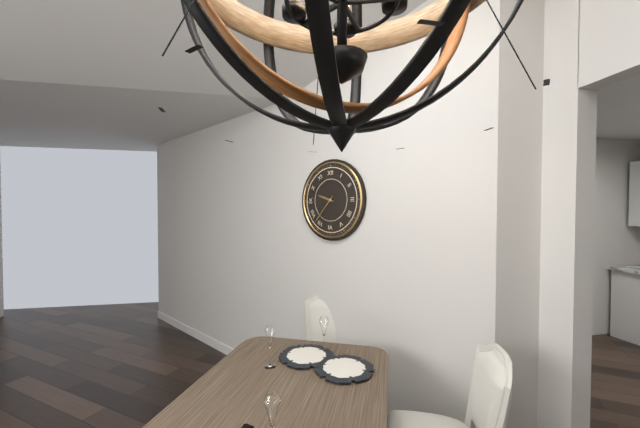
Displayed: 9 h 37 min
